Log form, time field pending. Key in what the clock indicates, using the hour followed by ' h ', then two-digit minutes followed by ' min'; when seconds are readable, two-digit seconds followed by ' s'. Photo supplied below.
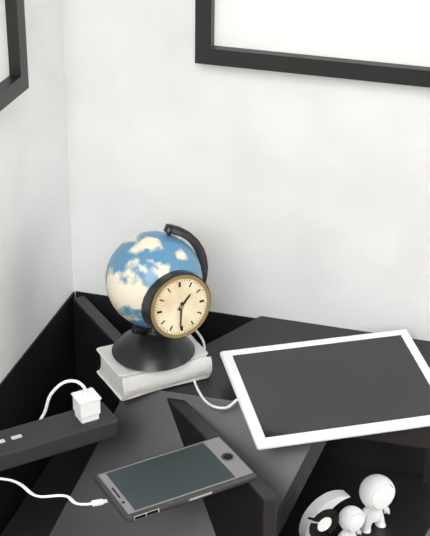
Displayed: 1 h 31 min
